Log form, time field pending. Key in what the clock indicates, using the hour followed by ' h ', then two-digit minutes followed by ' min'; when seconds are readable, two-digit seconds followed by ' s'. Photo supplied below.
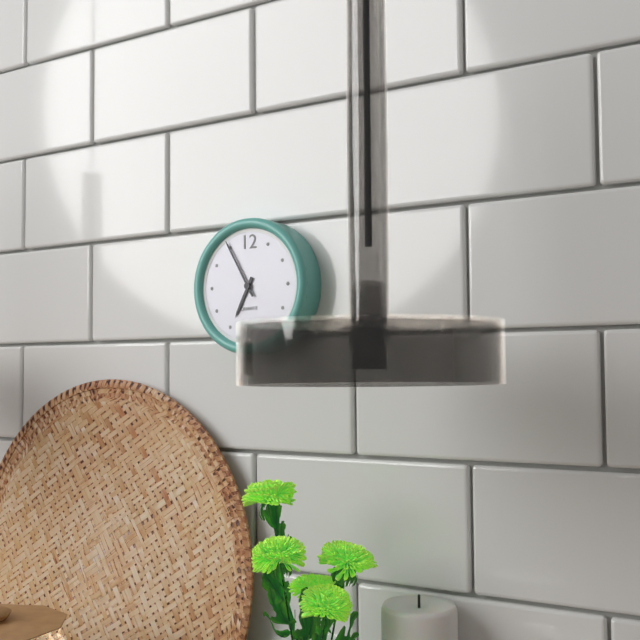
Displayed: 6 h 55 min
